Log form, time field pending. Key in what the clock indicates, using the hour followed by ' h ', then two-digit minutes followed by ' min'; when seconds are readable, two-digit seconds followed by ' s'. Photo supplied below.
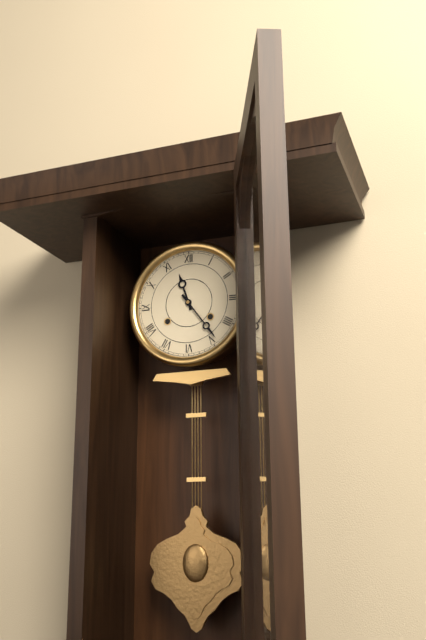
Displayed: 11 h 24 min
